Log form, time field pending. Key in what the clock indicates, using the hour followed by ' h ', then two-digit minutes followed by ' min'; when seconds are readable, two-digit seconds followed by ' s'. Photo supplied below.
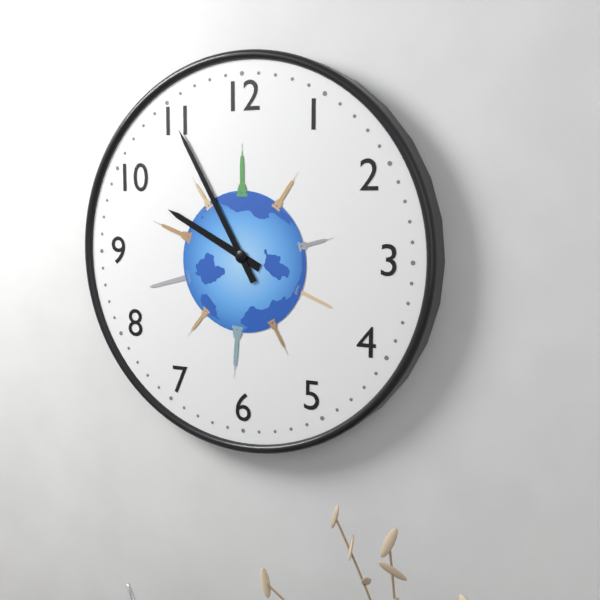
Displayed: 9 h 55 min
